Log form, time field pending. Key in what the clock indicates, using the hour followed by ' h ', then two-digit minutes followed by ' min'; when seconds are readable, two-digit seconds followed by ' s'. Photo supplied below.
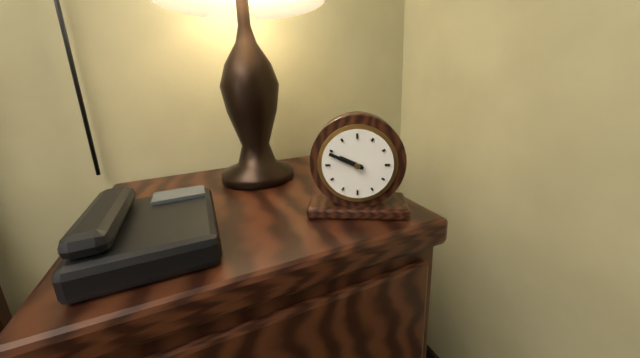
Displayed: 9 h 49 min
